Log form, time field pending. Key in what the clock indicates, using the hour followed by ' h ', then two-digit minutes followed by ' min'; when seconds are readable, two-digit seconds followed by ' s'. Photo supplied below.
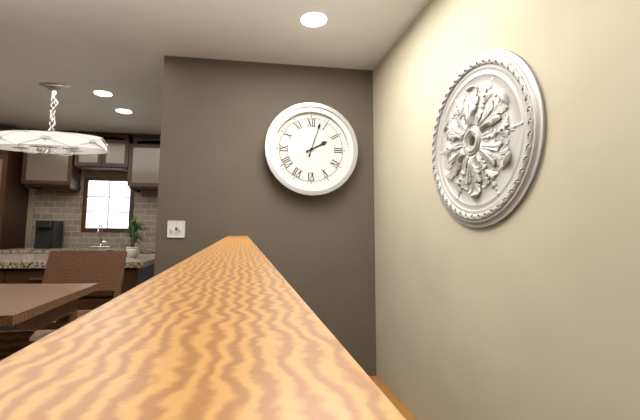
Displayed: 2 h 03 min
